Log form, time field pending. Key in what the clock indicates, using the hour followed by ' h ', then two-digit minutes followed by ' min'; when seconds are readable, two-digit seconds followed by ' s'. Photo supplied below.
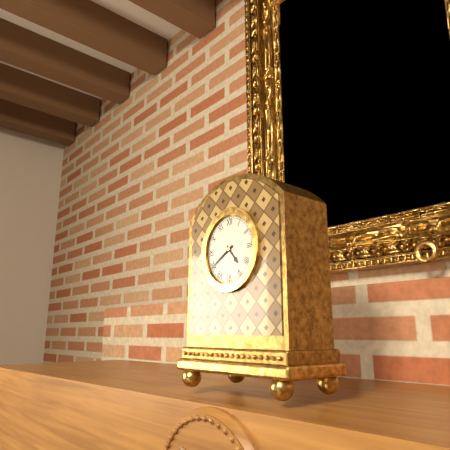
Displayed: 4 h 40 min
